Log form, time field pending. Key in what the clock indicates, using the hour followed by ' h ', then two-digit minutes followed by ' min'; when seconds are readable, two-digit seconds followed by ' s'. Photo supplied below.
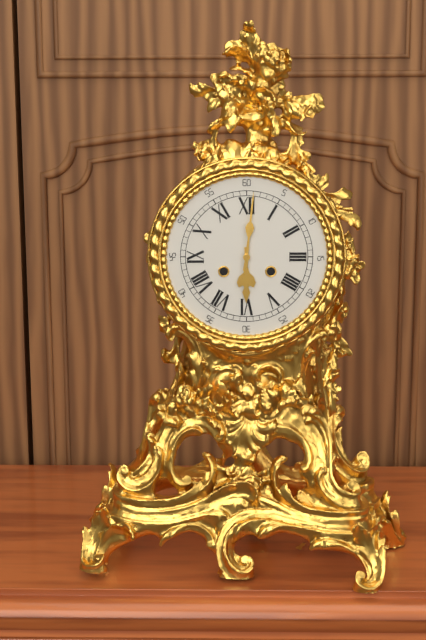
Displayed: 6 h 01 min
